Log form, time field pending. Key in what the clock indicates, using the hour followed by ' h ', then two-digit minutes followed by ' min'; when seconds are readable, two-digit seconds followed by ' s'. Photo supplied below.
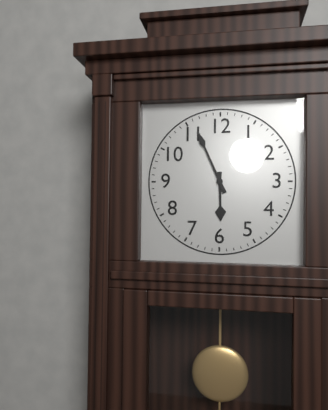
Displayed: 5 h 56 min
